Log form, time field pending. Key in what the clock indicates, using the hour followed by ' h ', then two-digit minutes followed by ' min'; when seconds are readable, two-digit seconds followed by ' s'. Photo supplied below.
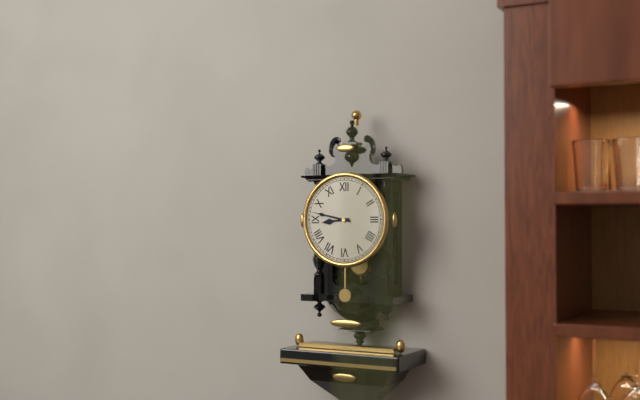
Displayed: 8 h 47 min
